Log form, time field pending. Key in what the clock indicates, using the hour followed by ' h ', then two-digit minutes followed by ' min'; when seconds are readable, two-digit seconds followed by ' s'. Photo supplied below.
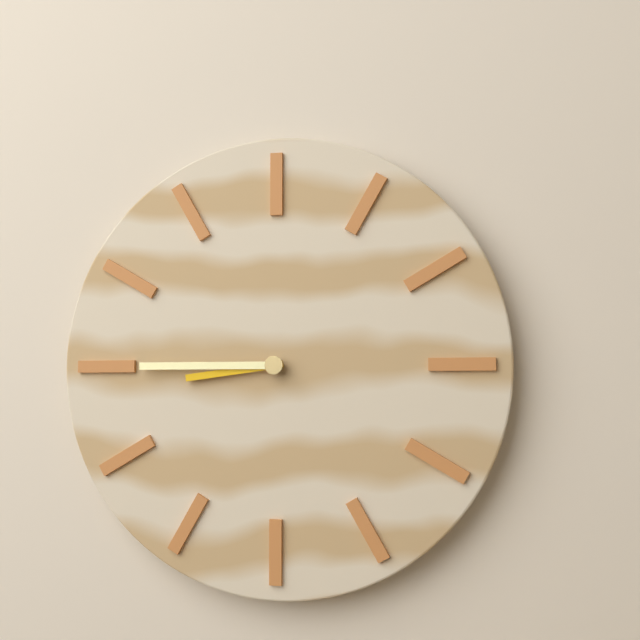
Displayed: 8 h 45 min
